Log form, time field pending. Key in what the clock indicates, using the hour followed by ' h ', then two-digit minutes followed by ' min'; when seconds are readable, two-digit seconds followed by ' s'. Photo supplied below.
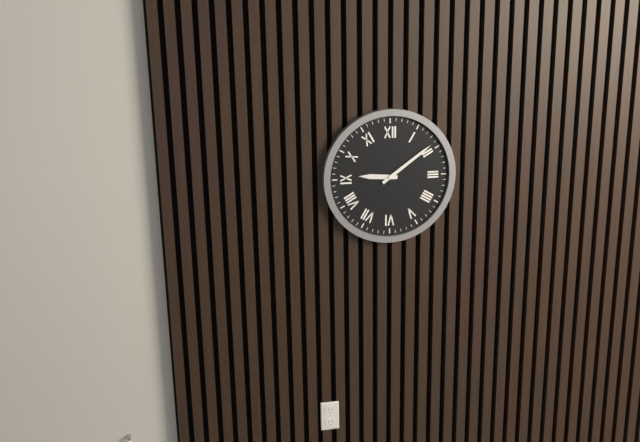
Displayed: 9 h 09 min
